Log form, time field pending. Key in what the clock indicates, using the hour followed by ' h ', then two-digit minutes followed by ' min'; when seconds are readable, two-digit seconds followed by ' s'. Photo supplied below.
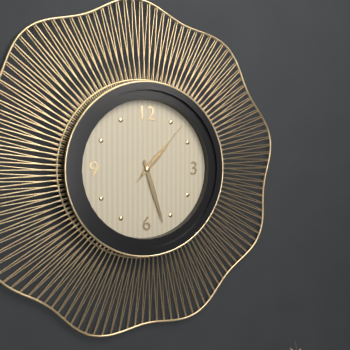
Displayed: 1 h 27 min 07 s
